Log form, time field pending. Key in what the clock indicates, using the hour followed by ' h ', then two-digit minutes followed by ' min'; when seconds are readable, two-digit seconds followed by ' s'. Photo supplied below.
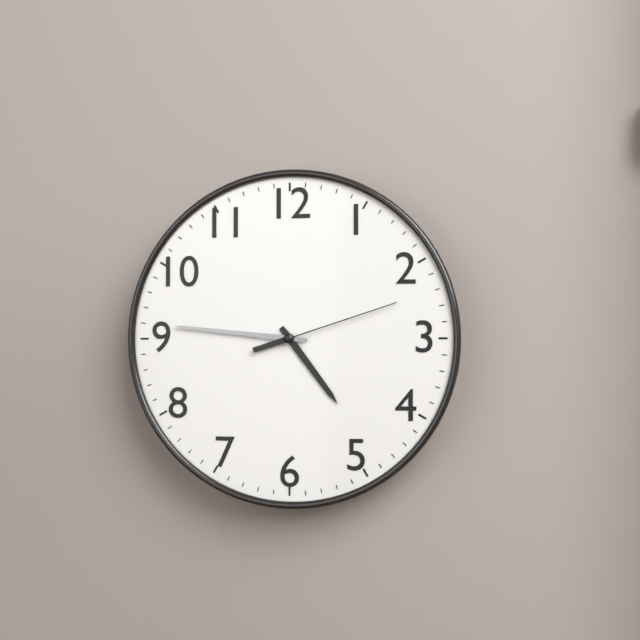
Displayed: 4 h 46 min 12 s
